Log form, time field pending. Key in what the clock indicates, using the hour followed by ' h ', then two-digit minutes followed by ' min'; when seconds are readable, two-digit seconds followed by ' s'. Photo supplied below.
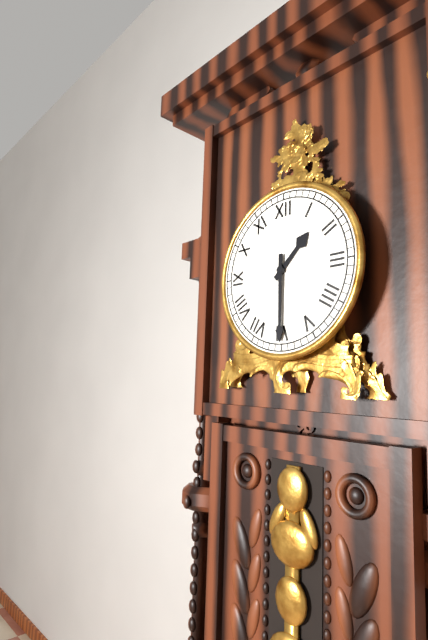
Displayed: 1 h 30 min
